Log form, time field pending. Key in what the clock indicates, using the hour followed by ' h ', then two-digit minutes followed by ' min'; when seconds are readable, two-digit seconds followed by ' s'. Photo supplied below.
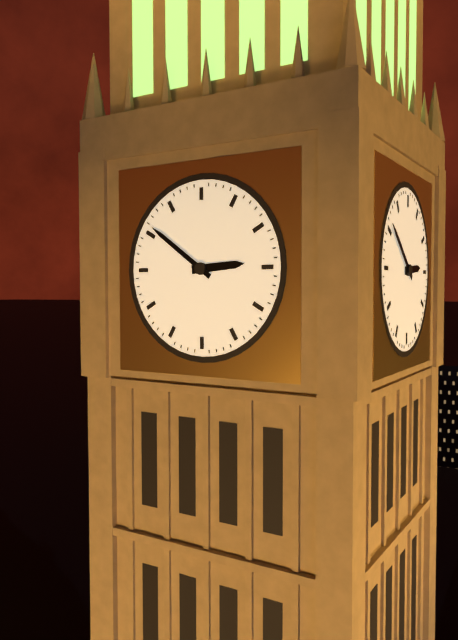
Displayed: 2 h 51 min
